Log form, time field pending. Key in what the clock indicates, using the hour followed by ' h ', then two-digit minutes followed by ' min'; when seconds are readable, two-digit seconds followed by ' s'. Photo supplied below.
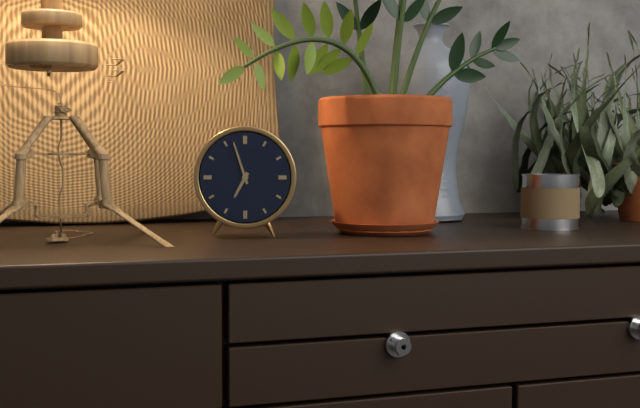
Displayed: 6 h 57 min
